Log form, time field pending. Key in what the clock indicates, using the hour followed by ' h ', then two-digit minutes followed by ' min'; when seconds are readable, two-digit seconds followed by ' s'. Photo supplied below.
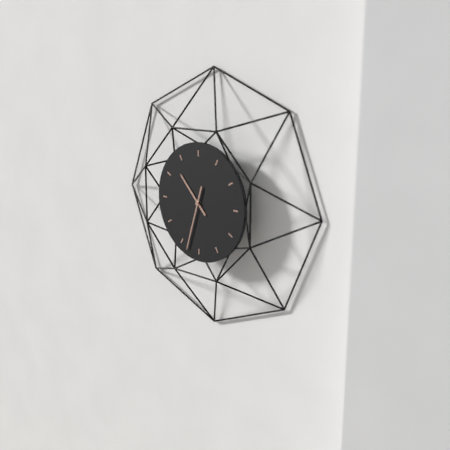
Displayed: 10 h 33 min
